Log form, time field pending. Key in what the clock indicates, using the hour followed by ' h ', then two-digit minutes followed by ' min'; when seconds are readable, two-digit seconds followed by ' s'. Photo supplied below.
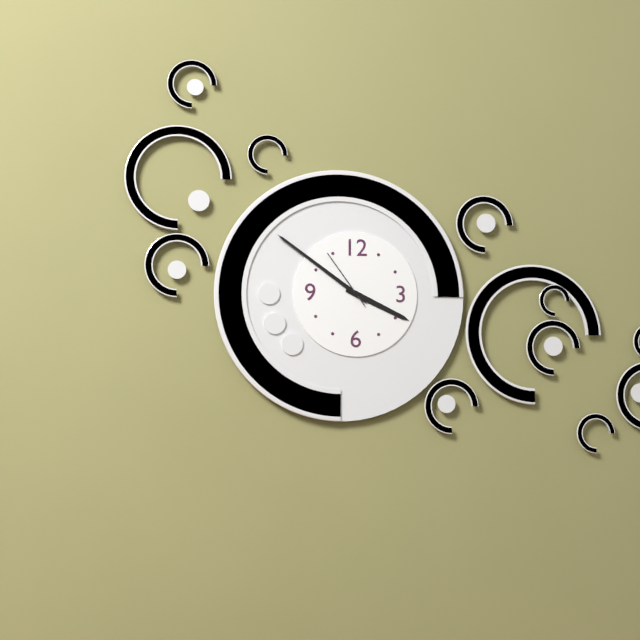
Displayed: 3 h 51 min 54 s
